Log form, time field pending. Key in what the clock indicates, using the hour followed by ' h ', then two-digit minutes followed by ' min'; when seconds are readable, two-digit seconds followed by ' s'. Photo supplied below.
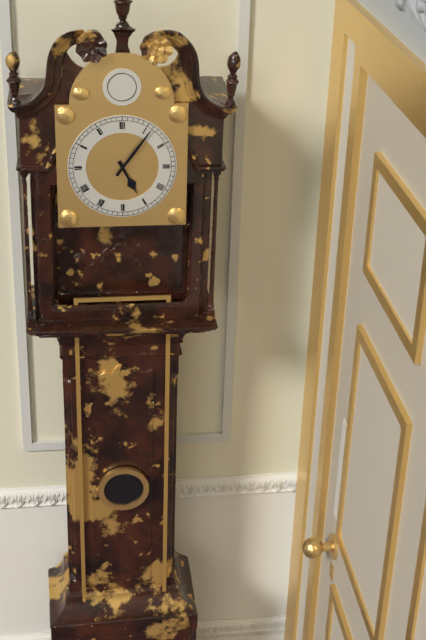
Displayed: 5 h 06 min
